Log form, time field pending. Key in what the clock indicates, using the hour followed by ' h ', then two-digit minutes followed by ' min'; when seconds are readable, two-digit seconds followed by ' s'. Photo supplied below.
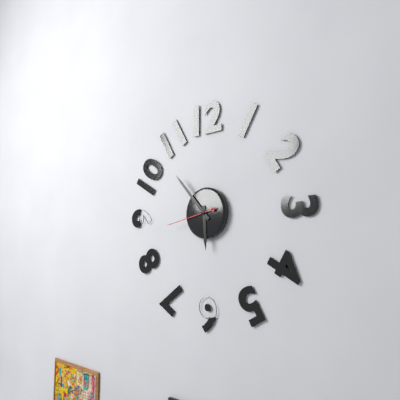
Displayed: 5 h 53 min
